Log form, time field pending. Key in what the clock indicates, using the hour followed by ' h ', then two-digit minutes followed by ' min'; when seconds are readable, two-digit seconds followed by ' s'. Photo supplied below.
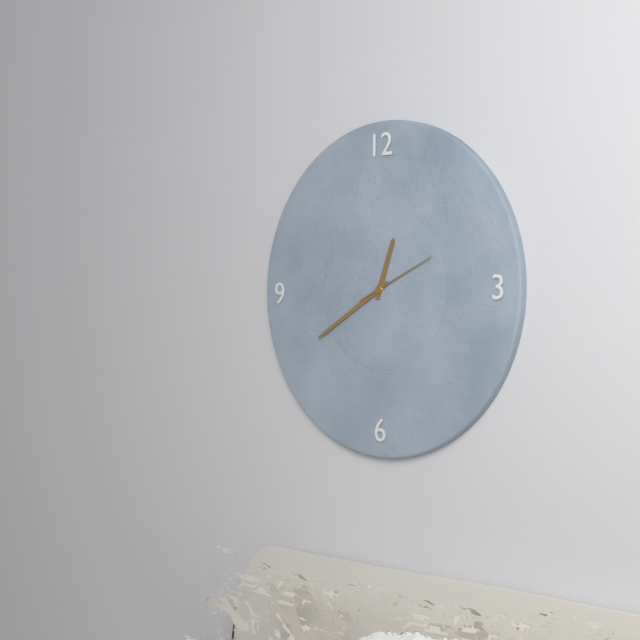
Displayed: 12 h 40 min 11 s
